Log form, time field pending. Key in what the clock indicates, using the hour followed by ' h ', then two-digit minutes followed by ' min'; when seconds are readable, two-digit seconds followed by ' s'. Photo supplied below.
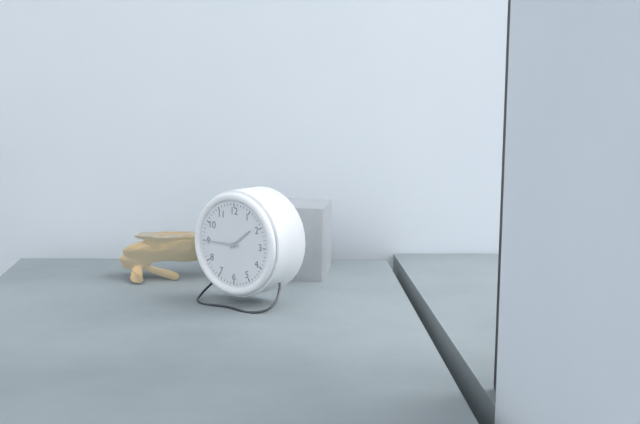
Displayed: 1 h 45 min
